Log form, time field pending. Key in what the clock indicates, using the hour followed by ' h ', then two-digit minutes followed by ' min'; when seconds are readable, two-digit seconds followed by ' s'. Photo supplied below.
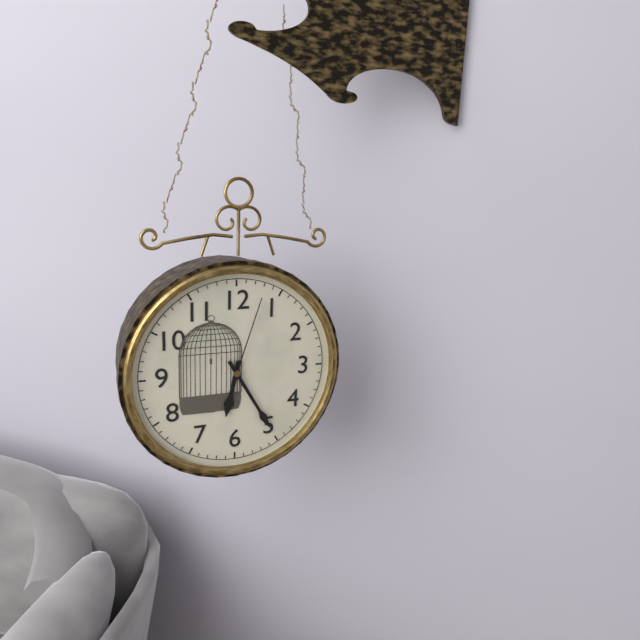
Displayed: 6 h 25 min 03 s
